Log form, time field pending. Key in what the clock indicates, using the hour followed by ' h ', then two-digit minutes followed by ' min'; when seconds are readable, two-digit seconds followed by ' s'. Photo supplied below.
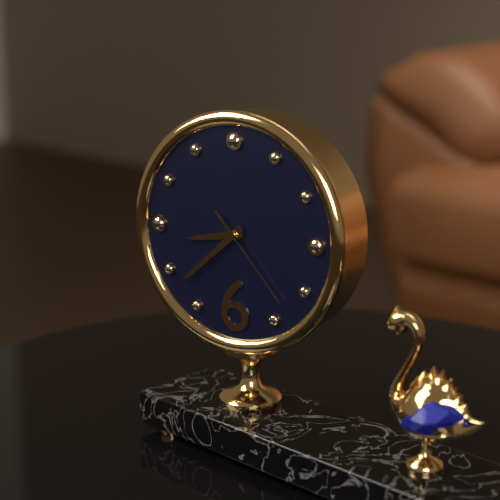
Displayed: 8 h 38 min 23 s
